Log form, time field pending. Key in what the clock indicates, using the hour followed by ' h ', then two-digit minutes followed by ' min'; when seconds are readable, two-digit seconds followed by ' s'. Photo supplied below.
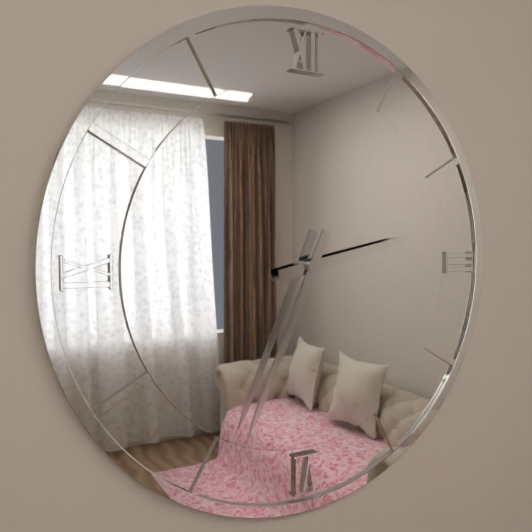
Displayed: 2 h 34 min
